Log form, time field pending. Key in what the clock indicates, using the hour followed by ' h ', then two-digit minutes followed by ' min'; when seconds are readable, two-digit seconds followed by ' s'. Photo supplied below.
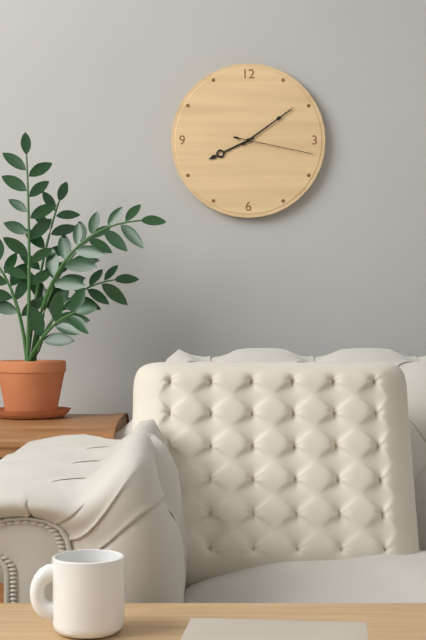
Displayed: 8 h 09 min 17 s
